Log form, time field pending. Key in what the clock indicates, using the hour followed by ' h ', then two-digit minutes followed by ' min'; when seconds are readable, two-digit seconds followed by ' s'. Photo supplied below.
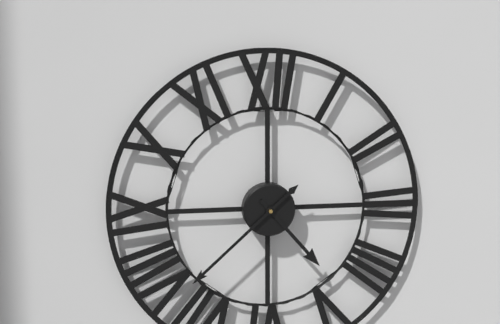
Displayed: 4 h 38 min
